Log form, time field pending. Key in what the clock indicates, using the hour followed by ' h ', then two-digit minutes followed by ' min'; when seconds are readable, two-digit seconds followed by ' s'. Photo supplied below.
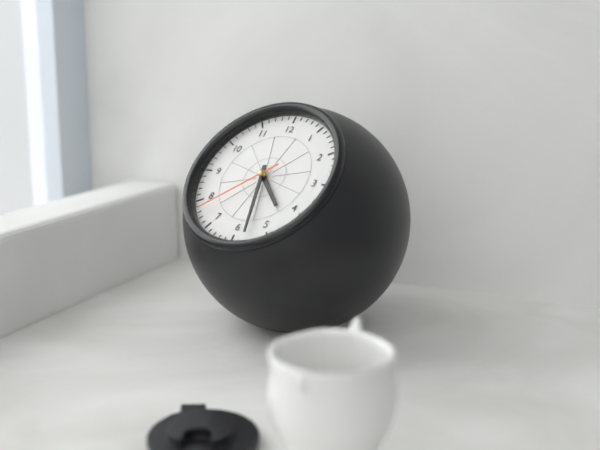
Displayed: 4 h 28 min 38 s
